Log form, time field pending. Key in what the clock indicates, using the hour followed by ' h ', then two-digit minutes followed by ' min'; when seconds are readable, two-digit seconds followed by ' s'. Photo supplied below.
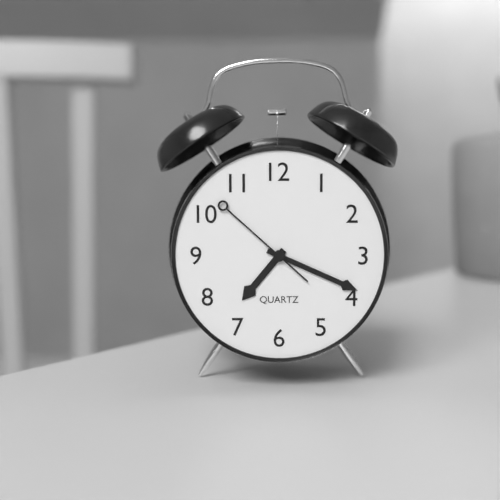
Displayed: 7 h 19 min 52 s
